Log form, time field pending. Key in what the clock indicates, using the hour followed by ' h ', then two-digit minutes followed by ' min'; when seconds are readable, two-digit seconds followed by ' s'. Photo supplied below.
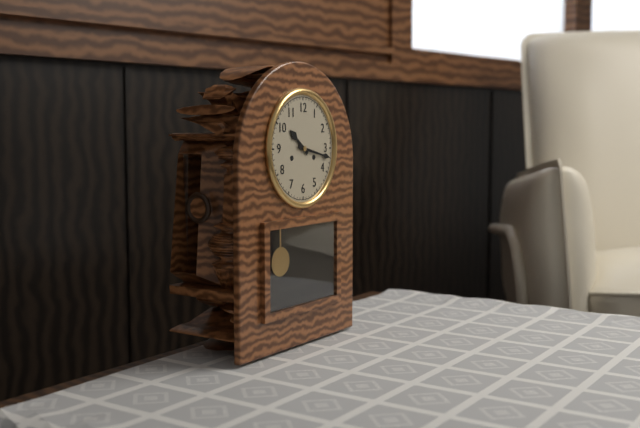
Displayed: 10 h 17 min
